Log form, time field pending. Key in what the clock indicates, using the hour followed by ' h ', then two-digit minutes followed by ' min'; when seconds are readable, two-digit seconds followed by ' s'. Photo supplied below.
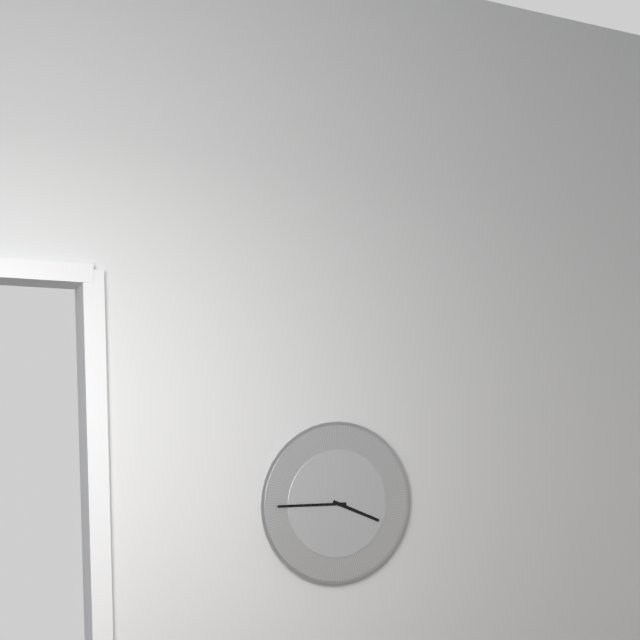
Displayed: 3 h 45 min
